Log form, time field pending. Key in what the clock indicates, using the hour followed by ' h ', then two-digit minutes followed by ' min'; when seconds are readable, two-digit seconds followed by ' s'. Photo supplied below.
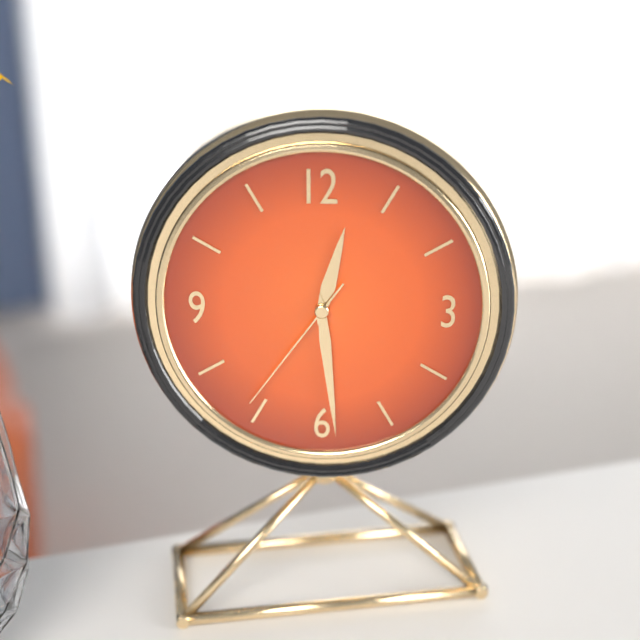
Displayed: 12 h 29 min 36 s
